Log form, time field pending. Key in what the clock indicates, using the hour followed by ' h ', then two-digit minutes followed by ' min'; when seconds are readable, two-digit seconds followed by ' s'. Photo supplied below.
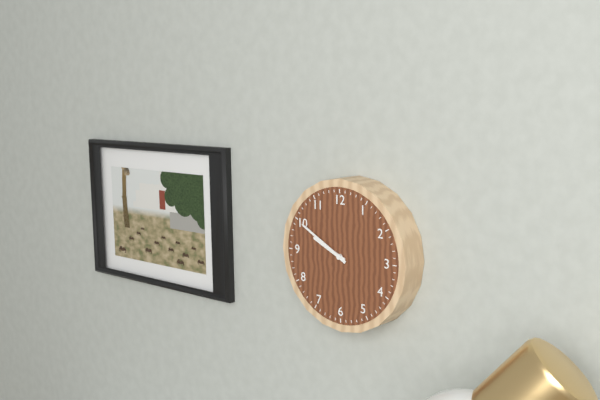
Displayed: 9 h 50 min
